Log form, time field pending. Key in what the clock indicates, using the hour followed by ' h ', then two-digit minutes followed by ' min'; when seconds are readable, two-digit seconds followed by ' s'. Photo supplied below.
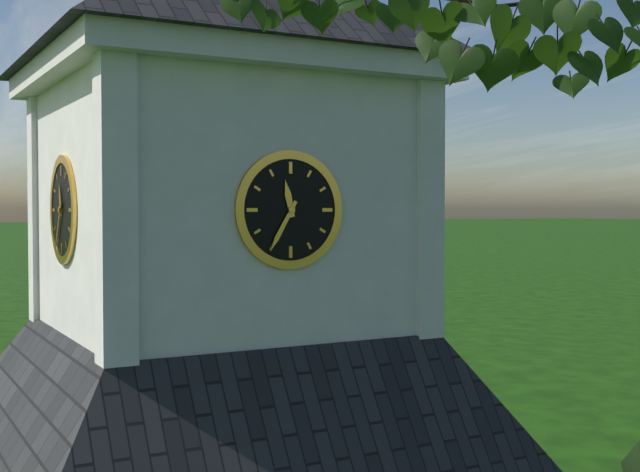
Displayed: 11 h 35 min
